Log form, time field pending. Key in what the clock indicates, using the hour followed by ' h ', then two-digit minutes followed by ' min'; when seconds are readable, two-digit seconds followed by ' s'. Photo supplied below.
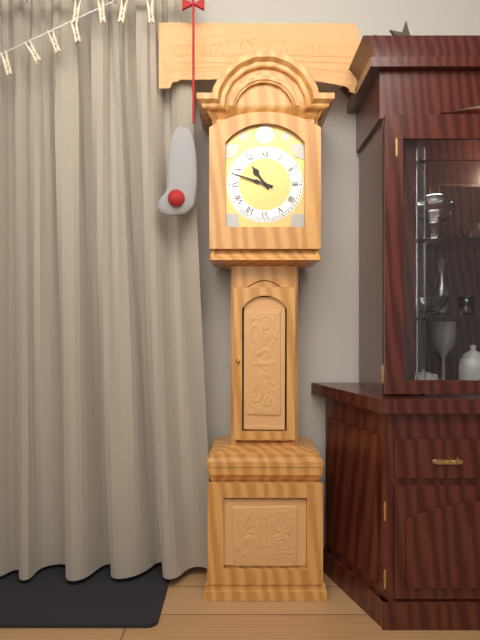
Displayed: 10 h 48 min
